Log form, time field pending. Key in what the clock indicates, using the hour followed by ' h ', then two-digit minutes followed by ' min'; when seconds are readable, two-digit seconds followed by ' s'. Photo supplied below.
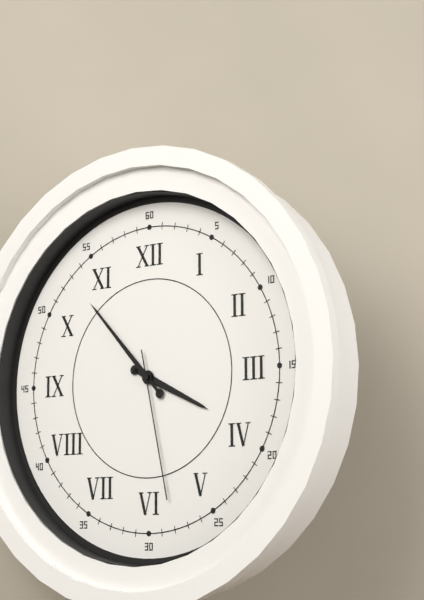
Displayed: 3 h 53 min 28 s
